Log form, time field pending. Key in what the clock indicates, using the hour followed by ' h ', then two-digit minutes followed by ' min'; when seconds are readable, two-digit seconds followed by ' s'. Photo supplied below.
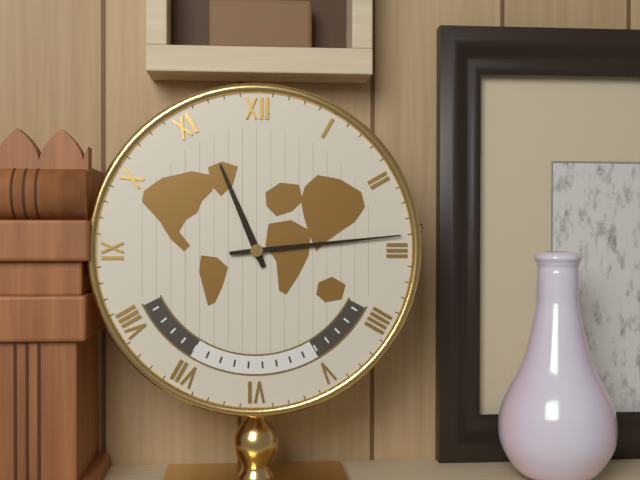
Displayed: 11 h 14 min
